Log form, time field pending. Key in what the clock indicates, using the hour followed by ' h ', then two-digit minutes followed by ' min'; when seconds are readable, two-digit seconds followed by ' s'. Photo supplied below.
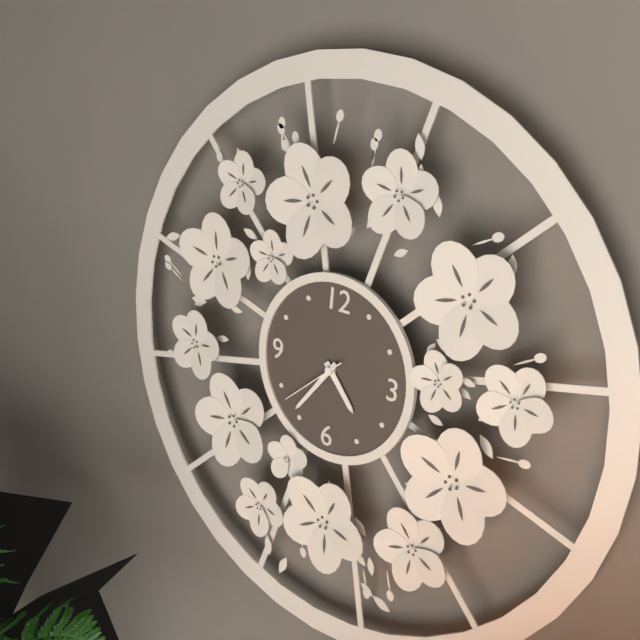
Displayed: 4 h 36 min 38 s
